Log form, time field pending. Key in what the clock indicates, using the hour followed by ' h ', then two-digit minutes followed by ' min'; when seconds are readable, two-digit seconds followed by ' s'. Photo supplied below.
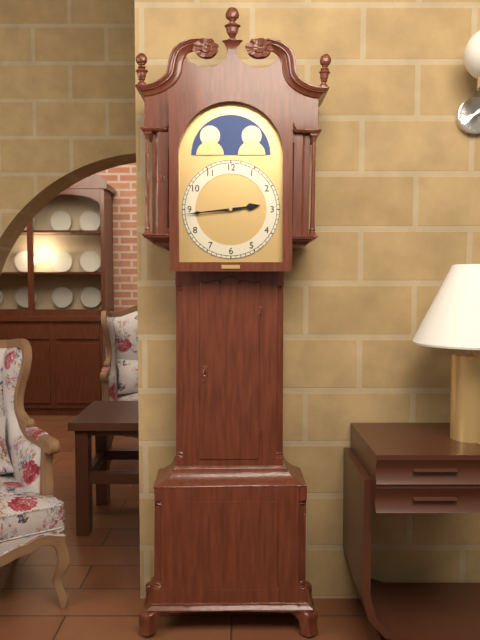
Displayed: 2 h 44 min
